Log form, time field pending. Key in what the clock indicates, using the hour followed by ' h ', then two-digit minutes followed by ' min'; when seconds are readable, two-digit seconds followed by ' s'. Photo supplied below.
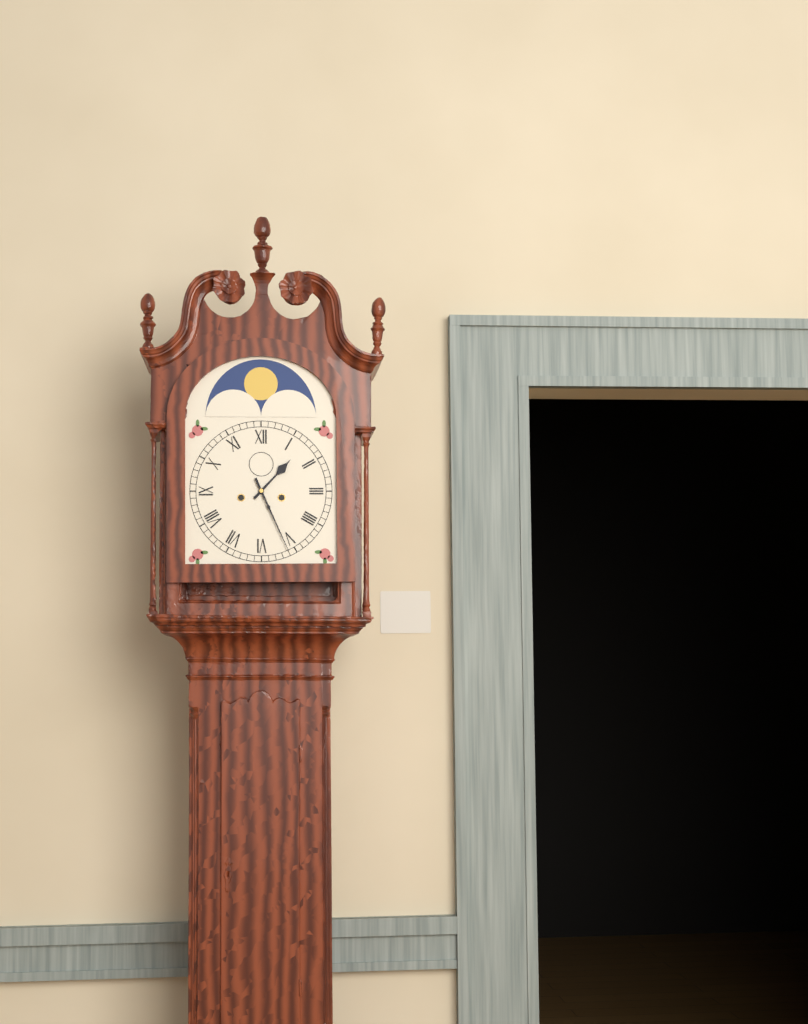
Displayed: 1 h 26 min
